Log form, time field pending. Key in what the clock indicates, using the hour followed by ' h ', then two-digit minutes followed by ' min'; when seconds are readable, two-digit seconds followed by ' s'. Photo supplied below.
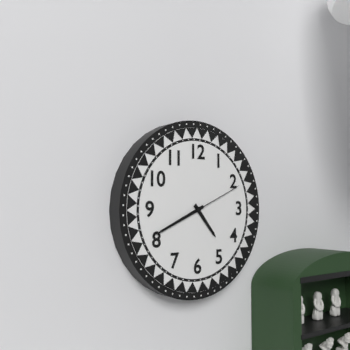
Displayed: 4 h 41 min 11 s
